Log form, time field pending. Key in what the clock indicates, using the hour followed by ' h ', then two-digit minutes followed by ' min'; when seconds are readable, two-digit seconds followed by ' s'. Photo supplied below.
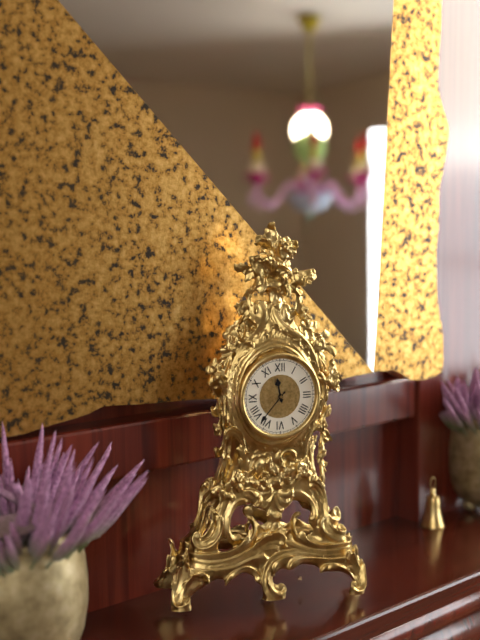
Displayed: 11 h 37 min
